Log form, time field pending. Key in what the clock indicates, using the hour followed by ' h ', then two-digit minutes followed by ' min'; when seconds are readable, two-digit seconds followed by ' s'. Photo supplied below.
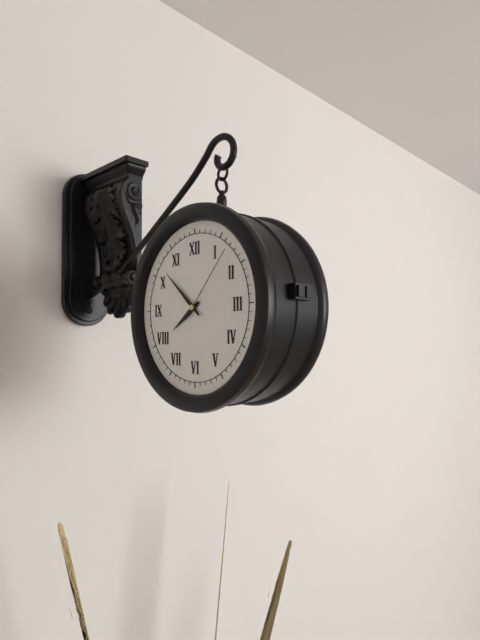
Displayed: 7 h 52 min 07 s
